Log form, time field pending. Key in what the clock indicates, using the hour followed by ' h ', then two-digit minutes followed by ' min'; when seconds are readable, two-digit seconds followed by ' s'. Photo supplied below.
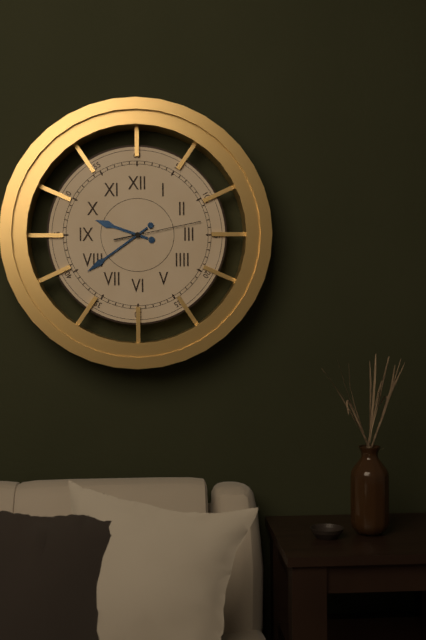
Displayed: 9 h 39 min 13 s
